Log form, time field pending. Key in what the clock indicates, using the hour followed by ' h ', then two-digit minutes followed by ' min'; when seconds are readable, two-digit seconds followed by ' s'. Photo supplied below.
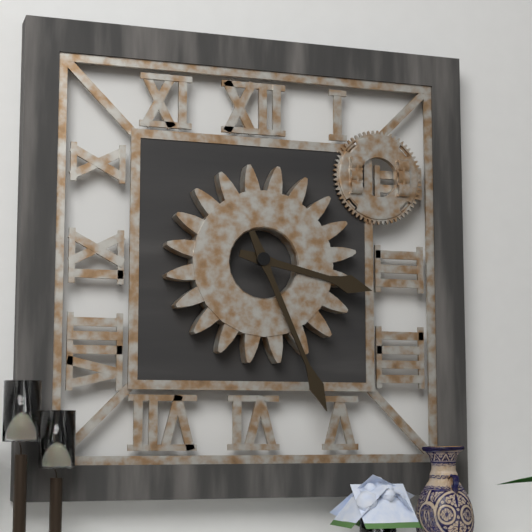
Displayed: 3 h 26 min
